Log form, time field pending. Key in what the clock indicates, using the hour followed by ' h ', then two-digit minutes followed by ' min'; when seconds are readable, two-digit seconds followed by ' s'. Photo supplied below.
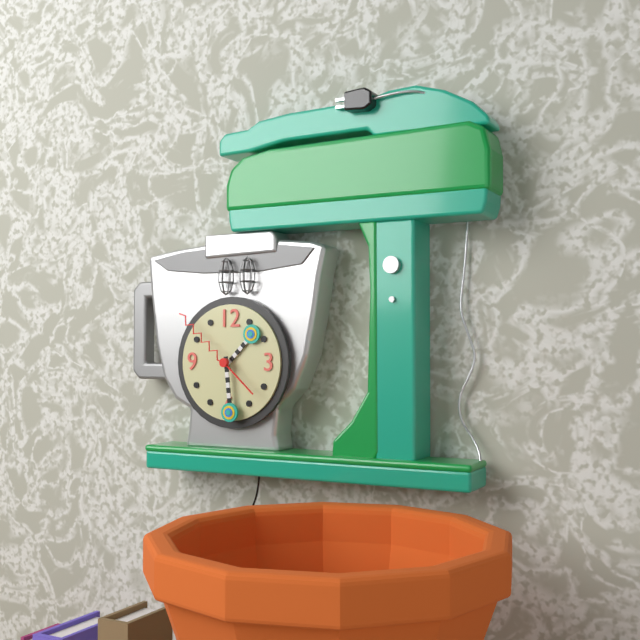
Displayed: 1 h 29 min 52 s
